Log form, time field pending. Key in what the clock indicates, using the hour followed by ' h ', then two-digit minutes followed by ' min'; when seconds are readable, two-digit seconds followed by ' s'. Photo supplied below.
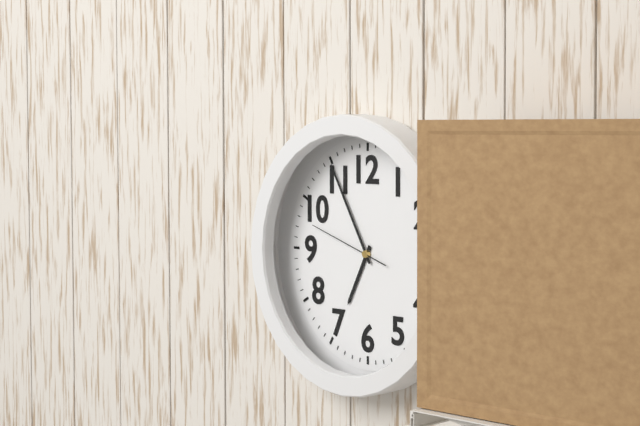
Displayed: 6 h 55 min 48 s
